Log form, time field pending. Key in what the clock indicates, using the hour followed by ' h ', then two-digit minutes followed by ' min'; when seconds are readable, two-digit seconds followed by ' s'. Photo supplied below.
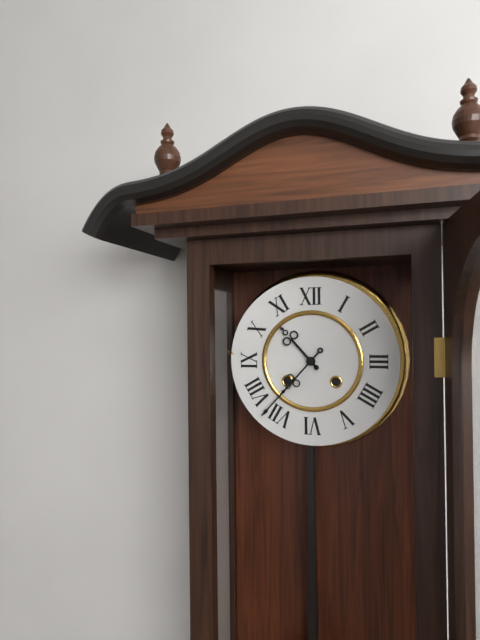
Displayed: 10 h 37 min
